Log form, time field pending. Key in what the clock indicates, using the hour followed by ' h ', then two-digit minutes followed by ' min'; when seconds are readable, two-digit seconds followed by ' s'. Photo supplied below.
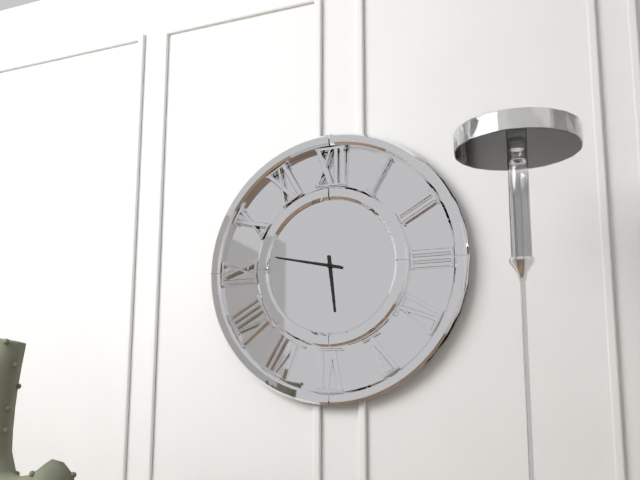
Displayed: 5 h 47 min
